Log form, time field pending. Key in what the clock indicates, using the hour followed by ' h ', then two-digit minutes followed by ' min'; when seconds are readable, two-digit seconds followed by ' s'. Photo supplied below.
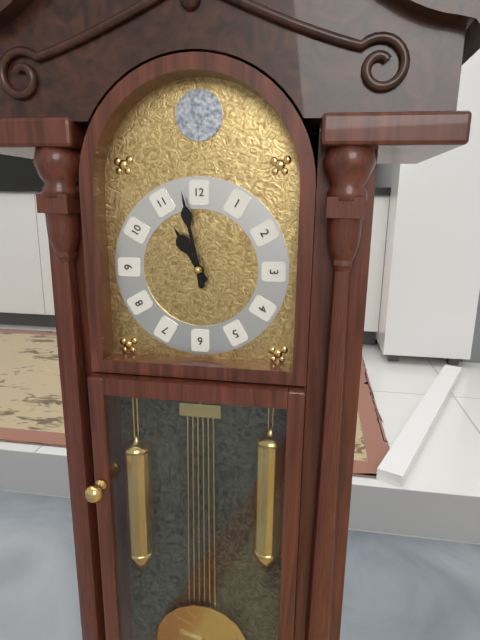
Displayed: 10 h 58 min
